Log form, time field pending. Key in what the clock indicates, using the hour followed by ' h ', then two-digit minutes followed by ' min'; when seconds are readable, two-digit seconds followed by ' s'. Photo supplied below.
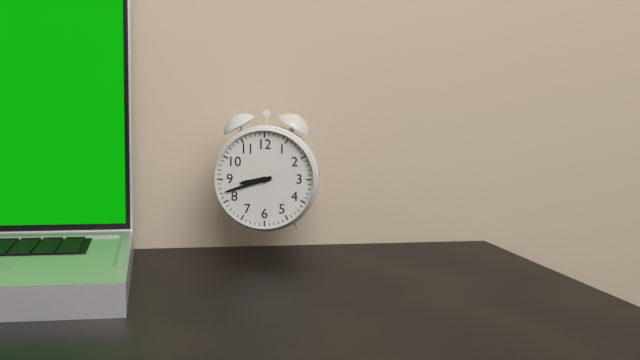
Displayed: 8 h 42 min
